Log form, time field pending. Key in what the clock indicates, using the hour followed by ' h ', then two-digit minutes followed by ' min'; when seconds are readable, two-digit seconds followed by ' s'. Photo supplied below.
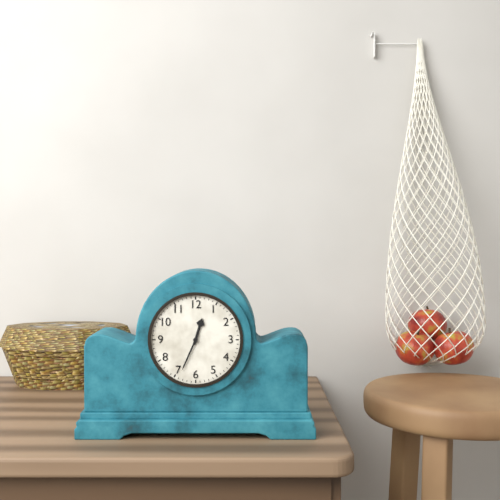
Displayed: 12 h 34 min
